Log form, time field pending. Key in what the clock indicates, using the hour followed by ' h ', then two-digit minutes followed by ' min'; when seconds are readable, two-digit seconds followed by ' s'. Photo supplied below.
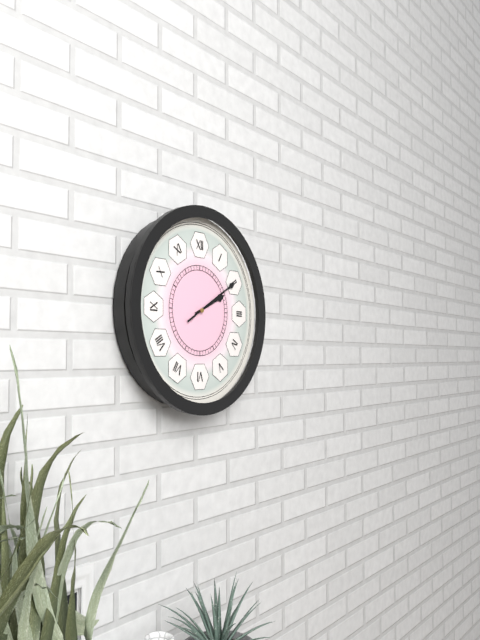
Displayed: 2 h 10 min
